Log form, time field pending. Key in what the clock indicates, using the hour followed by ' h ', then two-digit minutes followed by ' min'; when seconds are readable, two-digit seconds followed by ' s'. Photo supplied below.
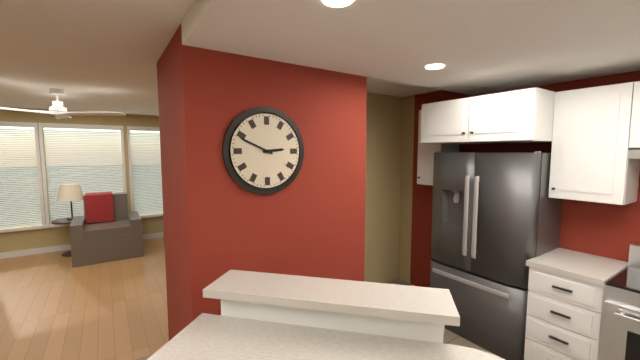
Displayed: 2 h 49 min
